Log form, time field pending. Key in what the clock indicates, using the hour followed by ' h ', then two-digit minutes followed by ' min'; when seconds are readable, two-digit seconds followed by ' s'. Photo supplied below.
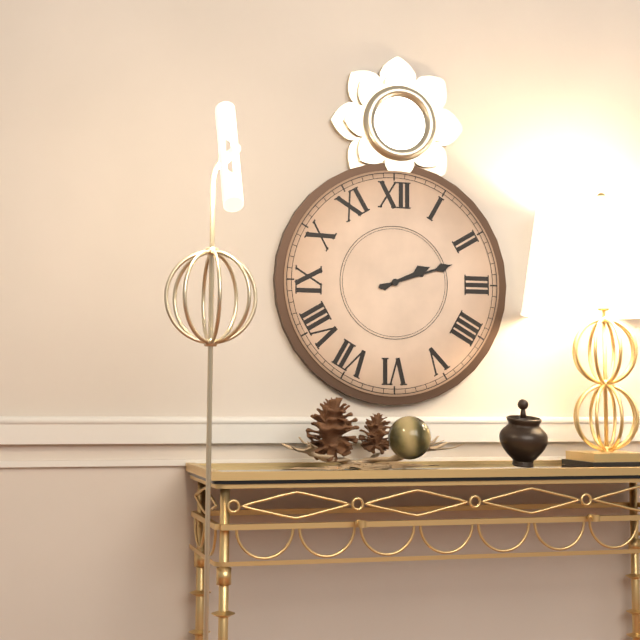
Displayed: 2 h 12 min
